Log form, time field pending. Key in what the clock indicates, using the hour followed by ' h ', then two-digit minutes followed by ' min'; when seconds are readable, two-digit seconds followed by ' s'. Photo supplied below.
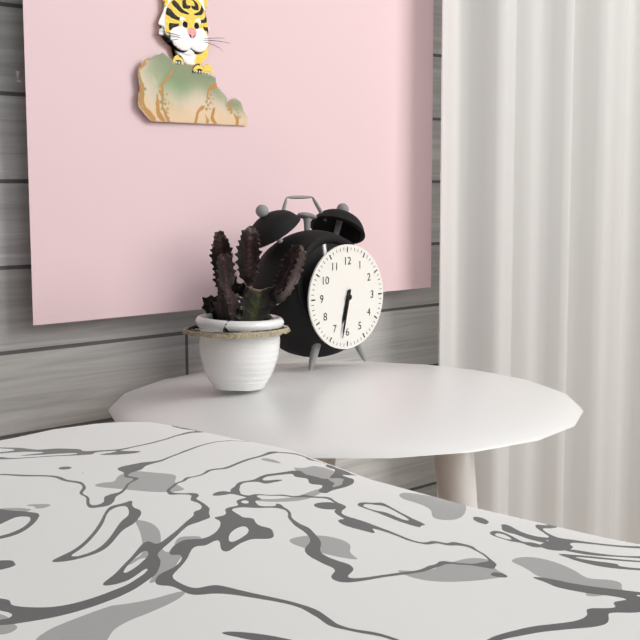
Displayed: 6 h 32 min
